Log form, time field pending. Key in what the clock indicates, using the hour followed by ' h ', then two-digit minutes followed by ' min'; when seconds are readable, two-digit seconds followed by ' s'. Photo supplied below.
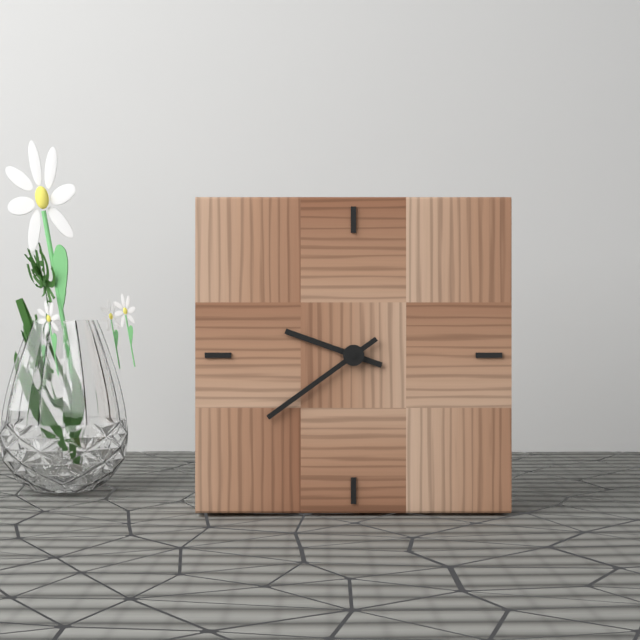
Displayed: 9 h 39 min
